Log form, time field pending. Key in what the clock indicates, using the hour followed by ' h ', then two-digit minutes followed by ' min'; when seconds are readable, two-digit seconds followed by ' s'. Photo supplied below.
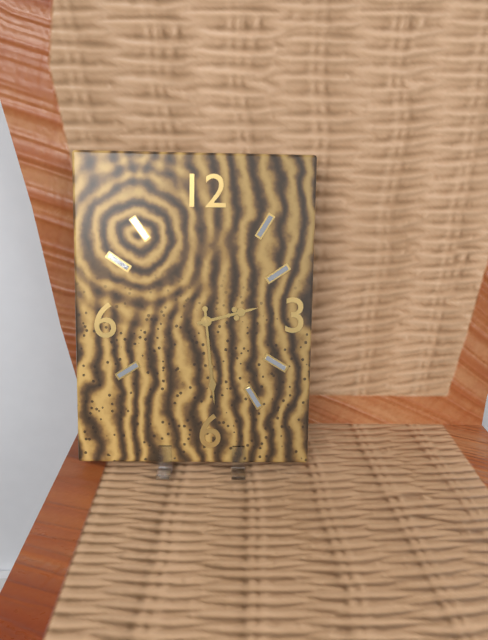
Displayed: 2 h 29 min
